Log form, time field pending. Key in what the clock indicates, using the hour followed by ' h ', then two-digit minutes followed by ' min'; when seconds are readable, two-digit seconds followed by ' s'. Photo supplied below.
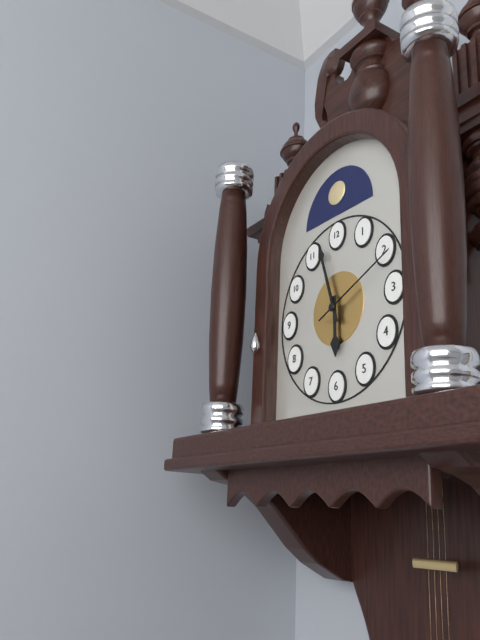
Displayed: 5 h 57 min 11 s
